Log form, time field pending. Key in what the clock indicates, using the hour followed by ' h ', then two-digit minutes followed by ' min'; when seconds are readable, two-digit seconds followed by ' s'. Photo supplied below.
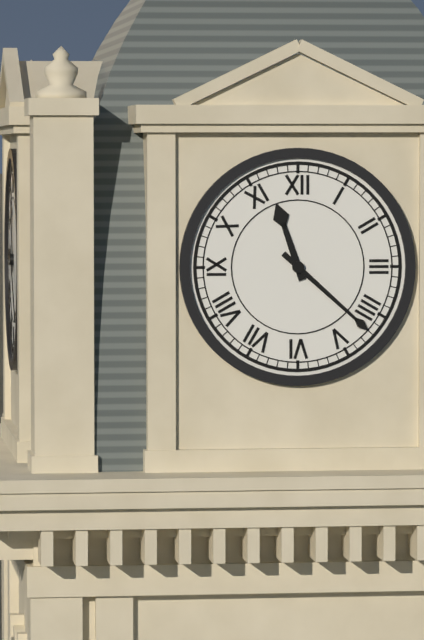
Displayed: 11 h 22 min
